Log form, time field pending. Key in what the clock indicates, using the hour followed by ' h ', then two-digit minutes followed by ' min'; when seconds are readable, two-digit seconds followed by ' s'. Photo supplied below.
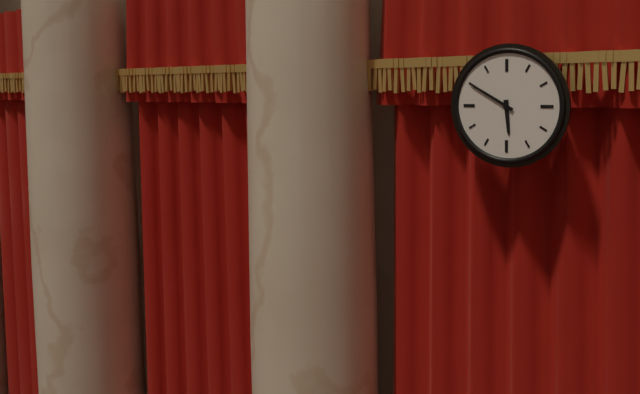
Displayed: 5 h 50 min
